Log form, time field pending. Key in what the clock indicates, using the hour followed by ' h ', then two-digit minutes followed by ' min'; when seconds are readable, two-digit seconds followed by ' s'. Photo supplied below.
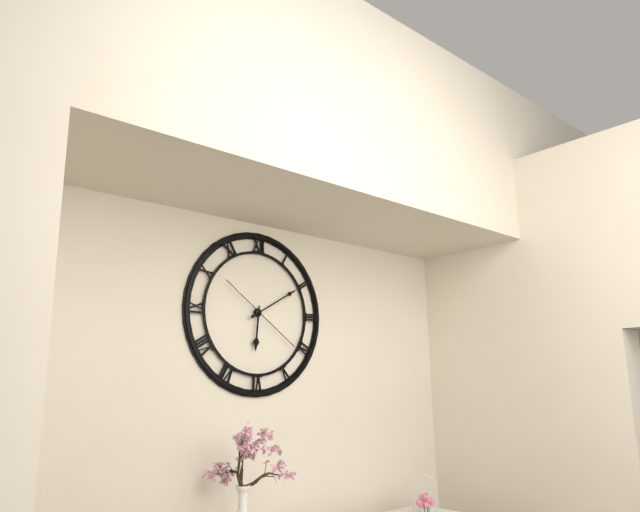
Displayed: 6 h 10 min 21 s
